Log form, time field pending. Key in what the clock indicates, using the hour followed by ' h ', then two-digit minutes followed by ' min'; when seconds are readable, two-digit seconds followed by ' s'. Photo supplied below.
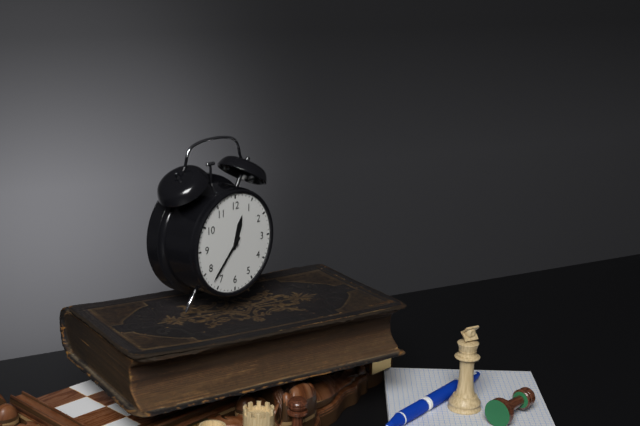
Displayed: 12 h 37 min
